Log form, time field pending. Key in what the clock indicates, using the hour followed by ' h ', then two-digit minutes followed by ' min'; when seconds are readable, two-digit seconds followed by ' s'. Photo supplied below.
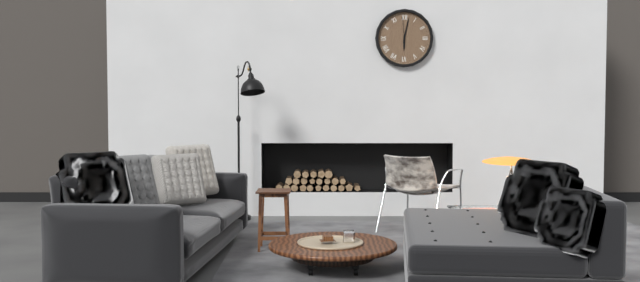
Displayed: 6 h 02 min
